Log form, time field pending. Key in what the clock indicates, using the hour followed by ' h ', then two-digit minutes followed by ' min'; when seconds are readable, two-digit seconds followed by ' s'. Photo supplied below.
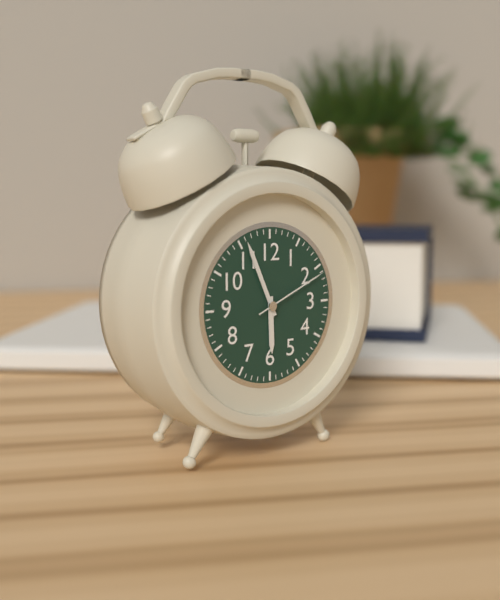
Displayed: 5 h 56 min 11 s
